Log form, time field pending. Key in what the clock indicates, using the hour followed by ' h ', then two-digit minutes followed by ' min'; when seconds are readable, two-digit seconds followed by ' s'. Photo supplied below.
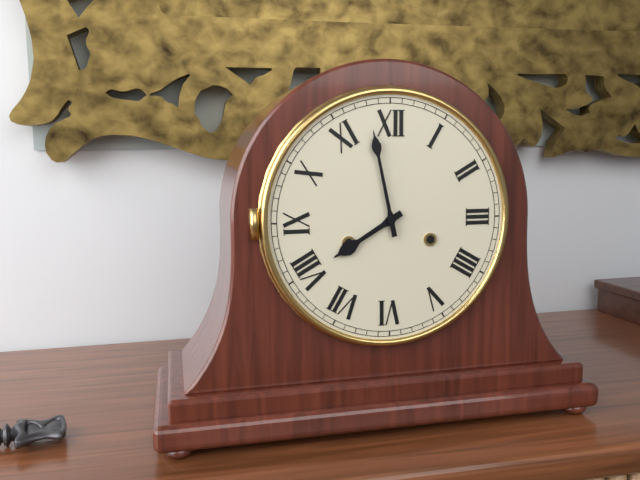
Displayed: 7 h 58 min
